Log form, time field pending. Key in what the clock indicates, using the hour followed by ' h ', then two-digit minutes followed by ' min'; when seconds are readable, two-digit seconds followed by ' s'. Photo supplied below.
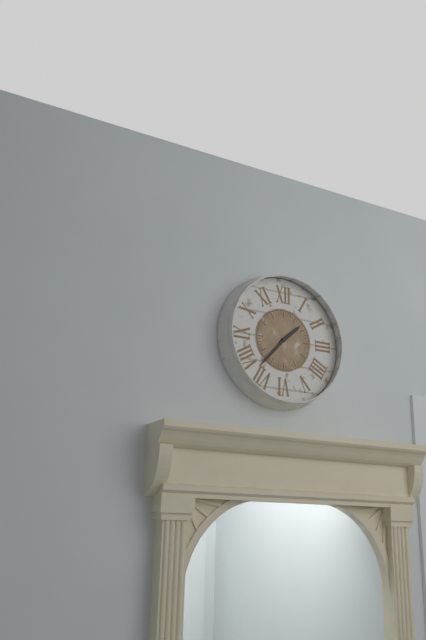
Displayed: 1 h 37 min
